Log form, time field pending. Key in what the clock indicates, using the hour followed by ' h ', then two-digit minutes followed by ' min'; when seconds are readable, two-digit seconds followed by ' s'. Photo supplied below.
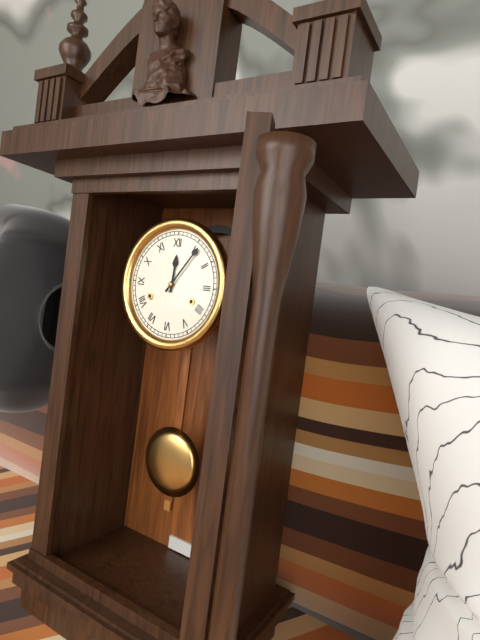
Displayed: 12 h 06 min
